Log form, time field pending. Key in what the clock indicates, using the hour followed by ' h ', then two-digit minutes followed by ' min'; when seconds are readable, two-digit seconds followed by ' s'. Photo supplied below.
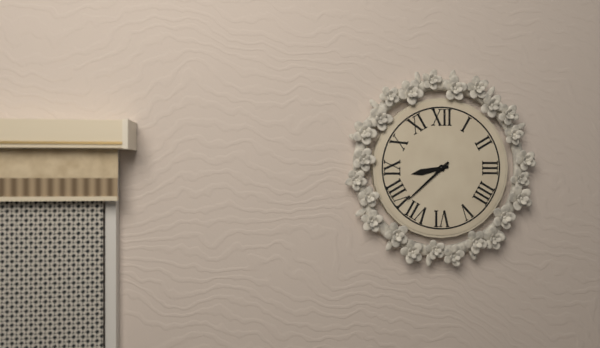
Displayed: 8 h 38 min
